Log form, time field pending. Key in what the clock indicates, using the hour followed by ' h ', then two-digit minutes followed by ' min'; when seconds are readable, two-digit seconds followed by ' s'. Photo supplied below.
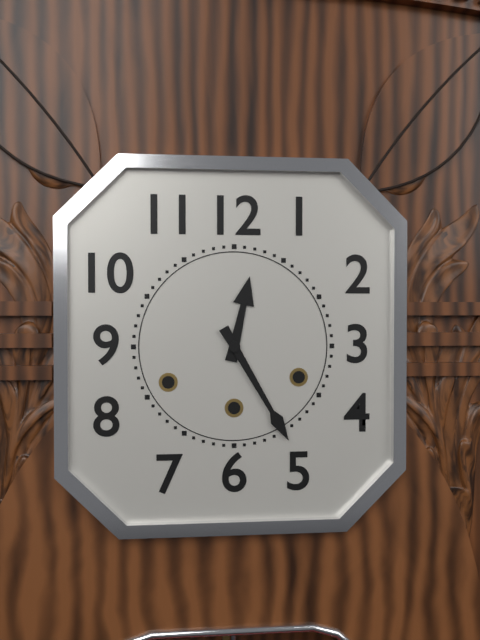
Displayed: 12 h 25 min
